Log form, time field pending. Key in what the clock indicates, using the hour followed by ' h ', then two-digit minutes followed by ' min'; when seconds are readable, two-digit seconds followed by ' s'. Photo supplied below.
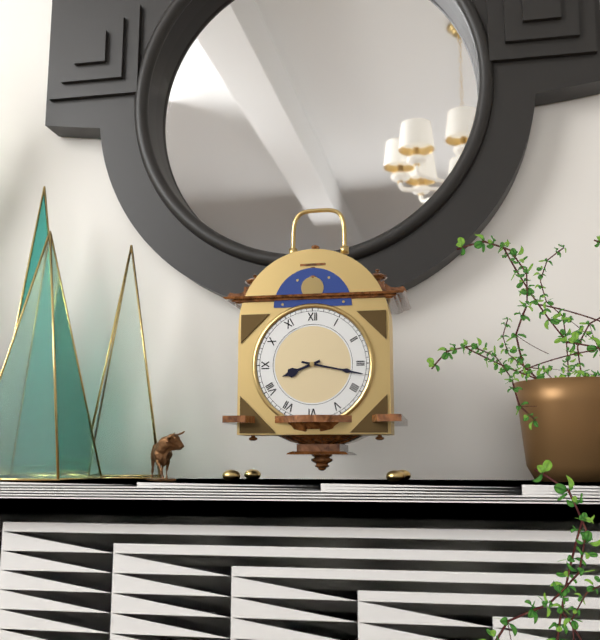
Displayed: 8 h 17 min
